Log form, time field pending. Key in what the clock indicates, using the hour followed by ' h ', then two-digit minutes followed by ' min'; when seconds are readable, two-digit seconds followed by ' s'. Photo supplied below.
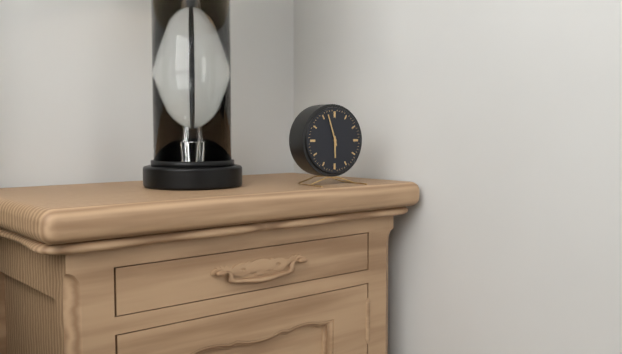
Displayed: 5 h 57 min
